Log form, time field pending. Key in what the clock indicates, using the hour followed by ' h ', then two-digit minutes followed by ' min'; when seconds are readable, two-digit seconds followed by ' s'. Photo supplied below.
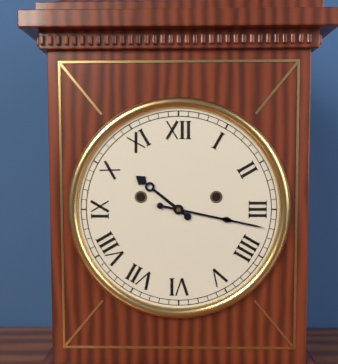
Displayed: 10 h 17 min
